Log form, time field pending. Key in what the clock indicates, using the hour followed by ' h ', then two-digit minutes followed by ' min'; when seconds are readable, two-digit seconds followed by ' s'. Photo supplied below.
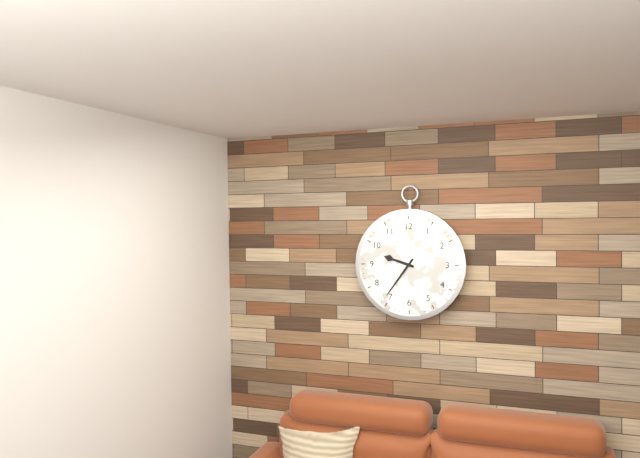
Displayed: 9 h 36 min
